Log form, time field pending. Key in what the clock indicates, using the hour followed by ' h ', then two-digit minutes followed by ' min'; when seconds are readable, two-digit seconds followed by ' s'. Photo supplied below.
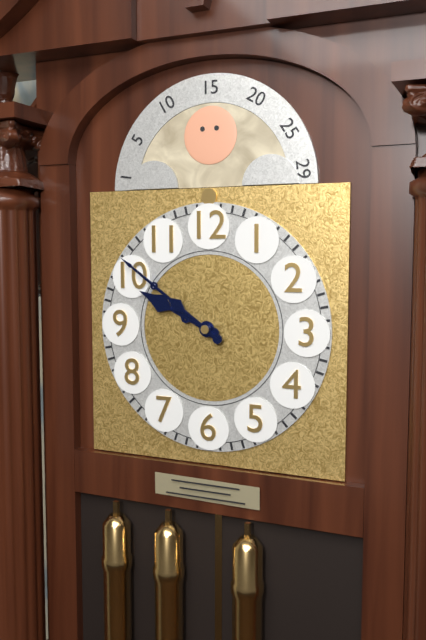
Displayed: 9 h 51 min
